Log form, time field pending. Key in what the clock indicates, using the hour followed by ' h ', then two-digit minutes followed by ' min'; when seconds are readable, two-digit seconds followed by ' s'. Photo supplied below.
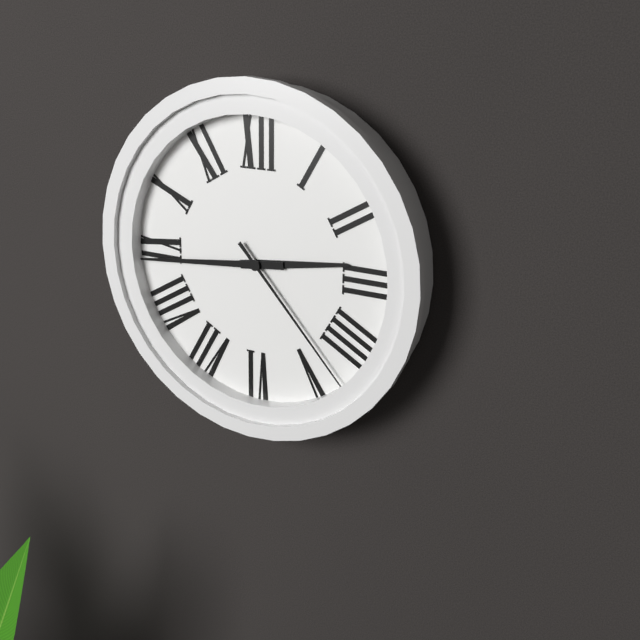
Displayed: 2 h 44 min 23 s
